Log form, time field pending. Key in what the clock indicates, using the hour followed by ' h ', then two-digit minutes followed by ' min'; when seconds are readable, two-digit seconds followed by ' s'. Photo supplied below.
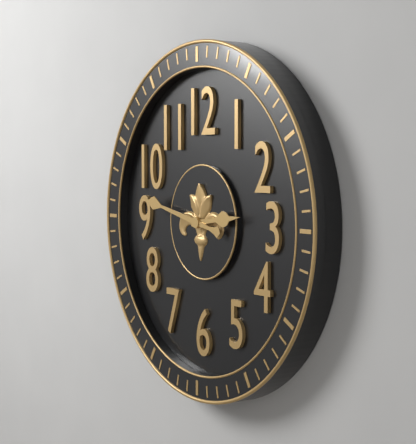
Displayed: 2 h 47 min
